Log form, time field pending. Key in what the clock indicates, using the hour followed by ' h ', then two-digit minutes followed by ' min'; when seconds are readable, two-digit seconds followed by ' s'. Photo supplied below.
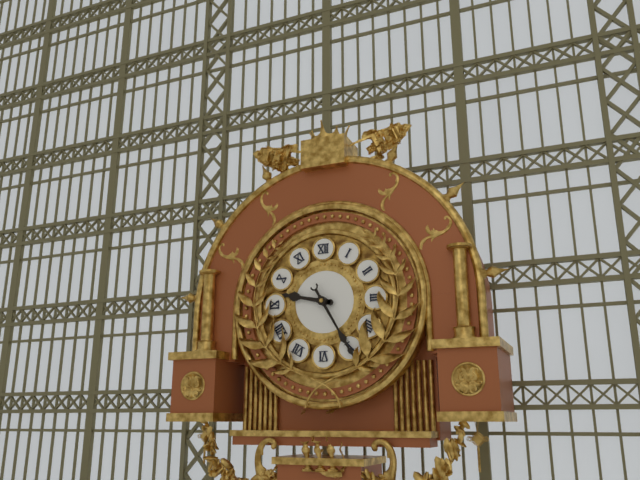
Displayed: 9 h 25 min
